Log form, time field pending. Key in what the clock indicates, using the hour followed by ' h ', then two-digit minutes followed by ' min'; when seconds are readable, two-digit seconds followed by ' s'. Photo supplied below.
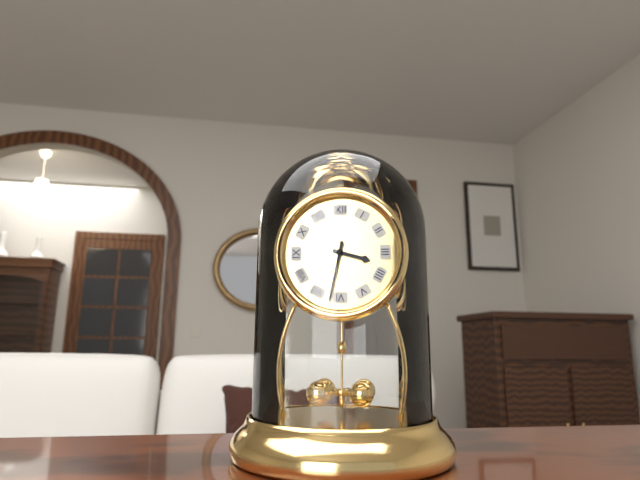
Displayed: 3 h 32 min
